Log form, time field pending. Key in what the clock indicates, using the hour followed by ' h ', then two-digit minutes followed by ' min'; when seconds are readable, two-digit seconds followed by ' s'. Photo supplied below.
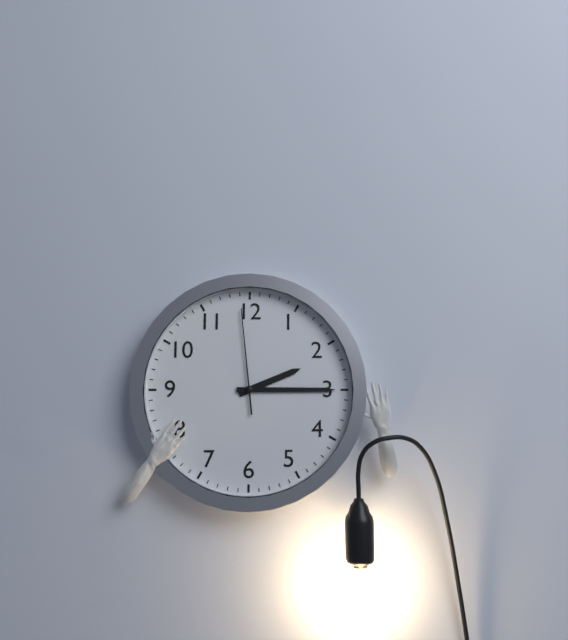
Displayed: 2 h 15 min 59 s
